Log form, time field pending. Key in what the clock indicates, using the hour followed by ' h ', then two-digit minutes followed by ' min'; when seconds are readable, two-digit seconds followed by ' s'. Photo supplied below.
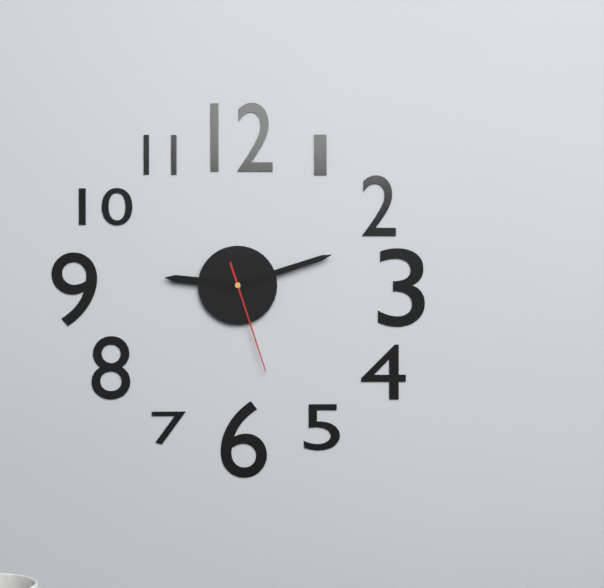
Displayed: 9 h 12 min 27 s
